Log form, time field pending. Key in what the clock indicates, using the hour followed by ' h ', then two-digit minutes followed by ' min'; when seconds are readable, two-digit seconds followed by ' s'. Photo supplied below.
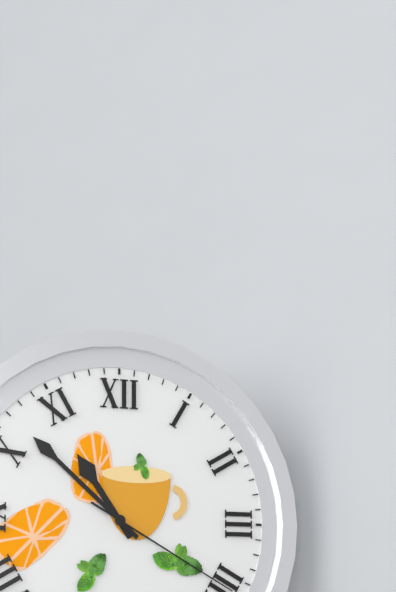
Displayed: 10 h 52 min 20 s
